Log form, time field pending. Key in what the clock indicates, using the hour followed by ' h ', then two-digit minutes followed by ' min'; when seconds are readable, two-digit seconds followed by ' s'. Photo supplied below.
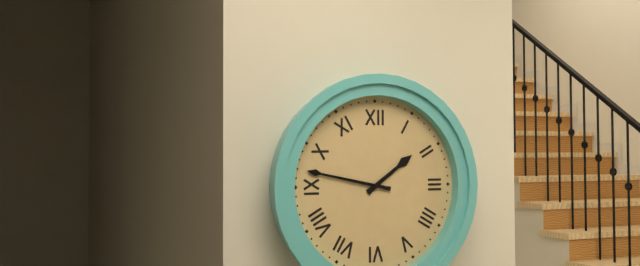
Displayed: 1 h 47 min
